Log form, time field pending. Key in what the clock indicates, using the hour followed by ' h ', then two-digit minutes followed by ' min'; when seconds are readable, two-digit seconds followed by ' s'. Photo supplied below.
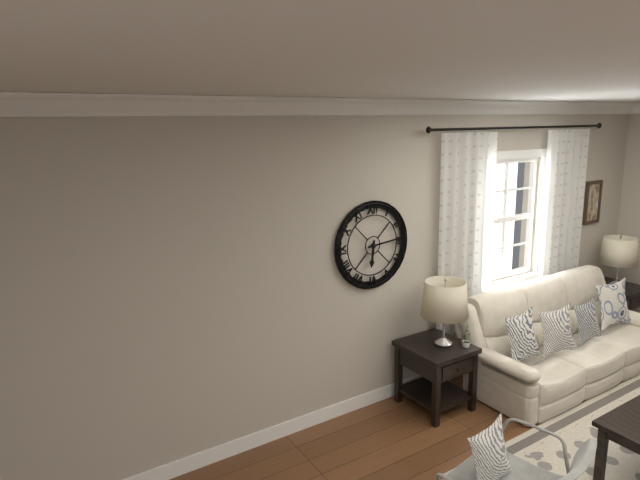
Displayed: 6 h 14 min
